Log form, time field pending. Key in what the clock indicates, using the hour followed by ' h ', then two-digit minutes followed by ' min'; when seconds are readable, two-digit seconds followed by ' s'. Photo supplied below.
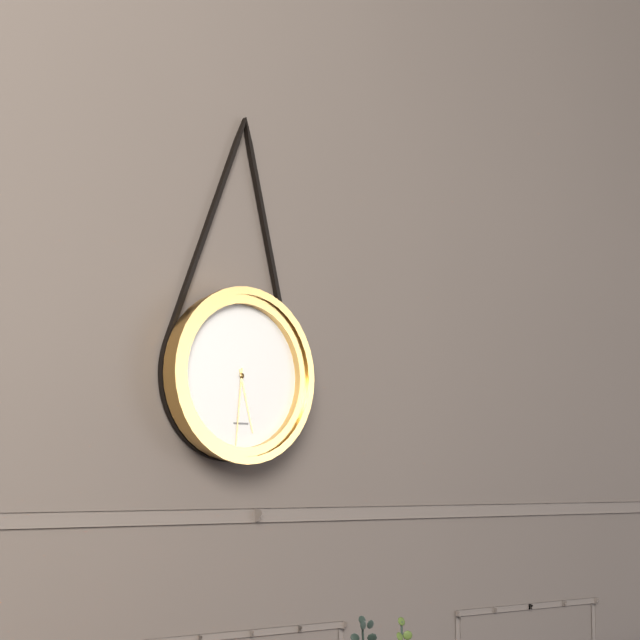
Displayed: 5 h 31 min
